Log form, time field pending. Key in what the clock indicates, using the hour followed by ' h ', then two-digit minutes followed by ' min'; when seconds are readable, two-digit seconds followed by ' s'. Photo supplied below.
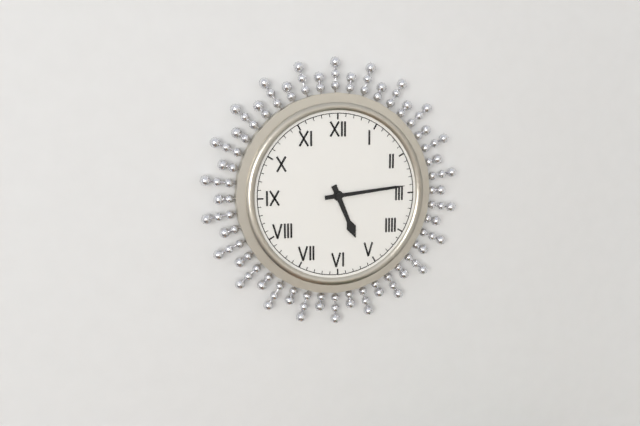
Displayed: 5 h 14 min
